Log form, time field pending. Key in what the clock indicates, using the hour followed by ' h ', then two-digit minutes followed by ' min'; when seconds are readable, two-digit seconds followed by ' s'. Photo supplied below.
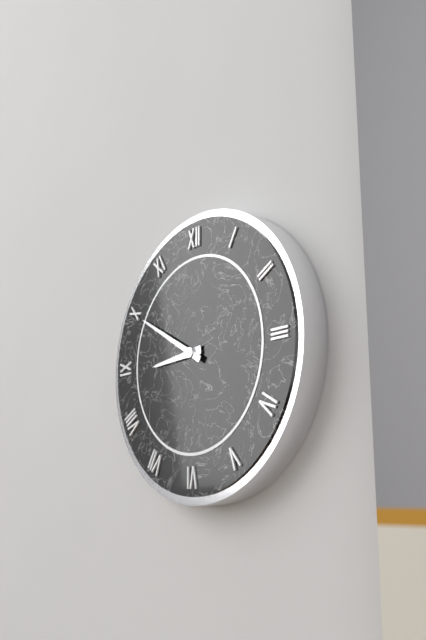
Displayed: 8 h 50 min
